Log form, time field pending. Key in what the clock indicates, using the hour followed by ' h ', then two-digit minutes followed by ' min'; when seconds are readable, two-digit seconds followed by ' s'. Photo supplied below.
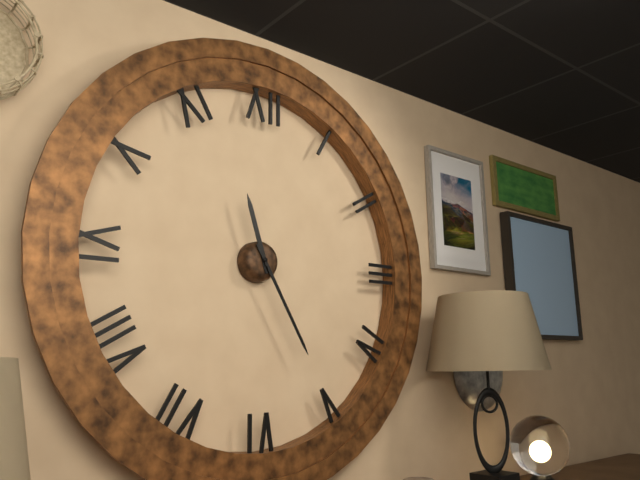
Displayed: 11 h 25 min
